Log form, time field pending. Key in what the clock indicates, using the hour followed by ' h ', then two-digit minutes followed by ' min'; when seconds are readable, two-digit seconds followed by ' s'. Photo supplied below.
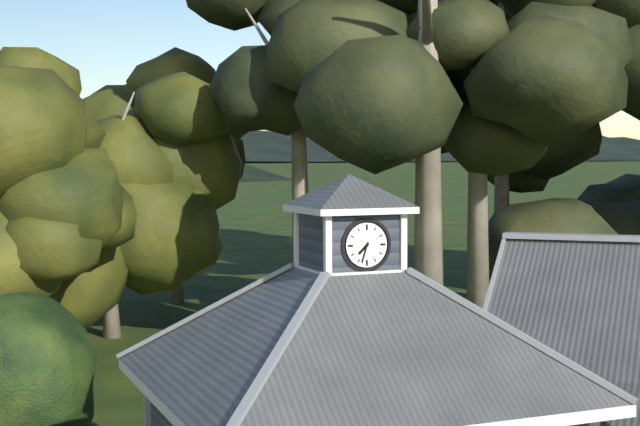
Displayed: 7 h 33 min
